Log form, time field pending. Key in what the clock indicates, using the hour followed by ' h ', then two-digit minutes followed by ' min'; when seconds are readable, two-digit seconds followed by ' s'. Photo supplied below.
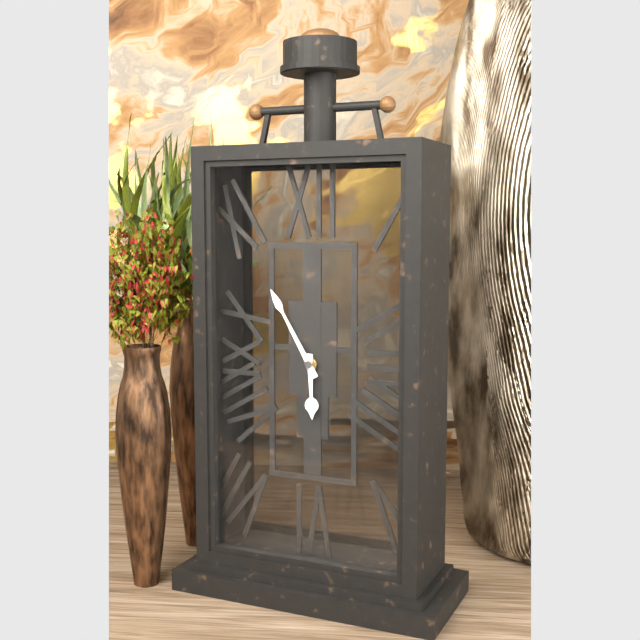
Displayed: 5 h 55 min
